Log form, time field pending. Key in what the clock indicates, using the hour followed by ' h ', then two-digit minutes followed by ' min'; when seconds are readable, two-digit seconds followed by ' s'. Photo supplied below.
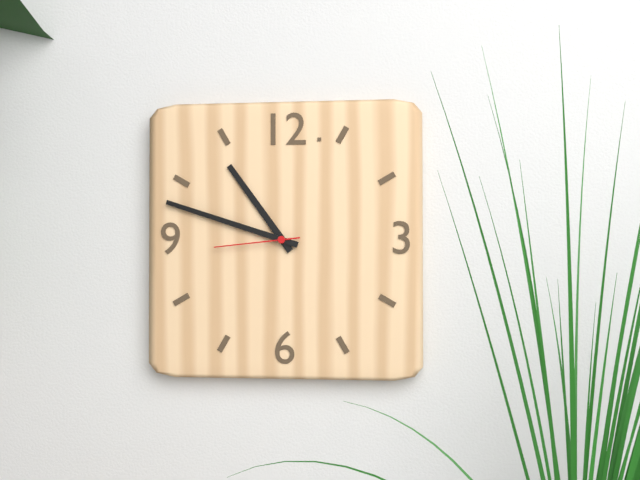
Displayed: 10 h 48 min 44 s
